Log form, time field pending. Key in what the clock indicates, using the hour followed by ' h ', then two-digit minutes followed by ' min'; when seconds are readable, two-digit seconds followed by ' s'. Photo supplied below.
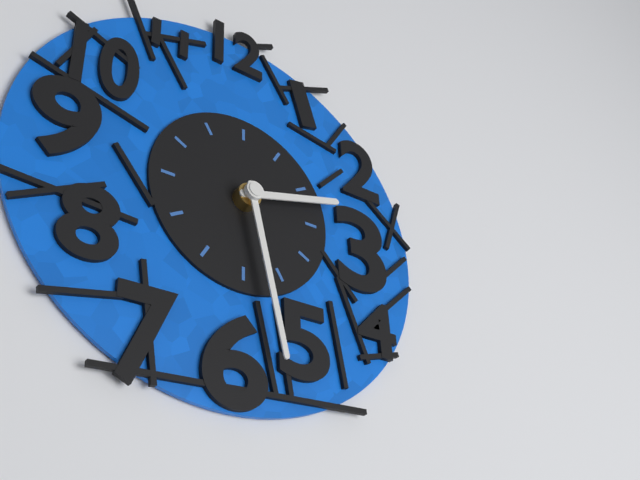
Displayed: 2 h 28 min
